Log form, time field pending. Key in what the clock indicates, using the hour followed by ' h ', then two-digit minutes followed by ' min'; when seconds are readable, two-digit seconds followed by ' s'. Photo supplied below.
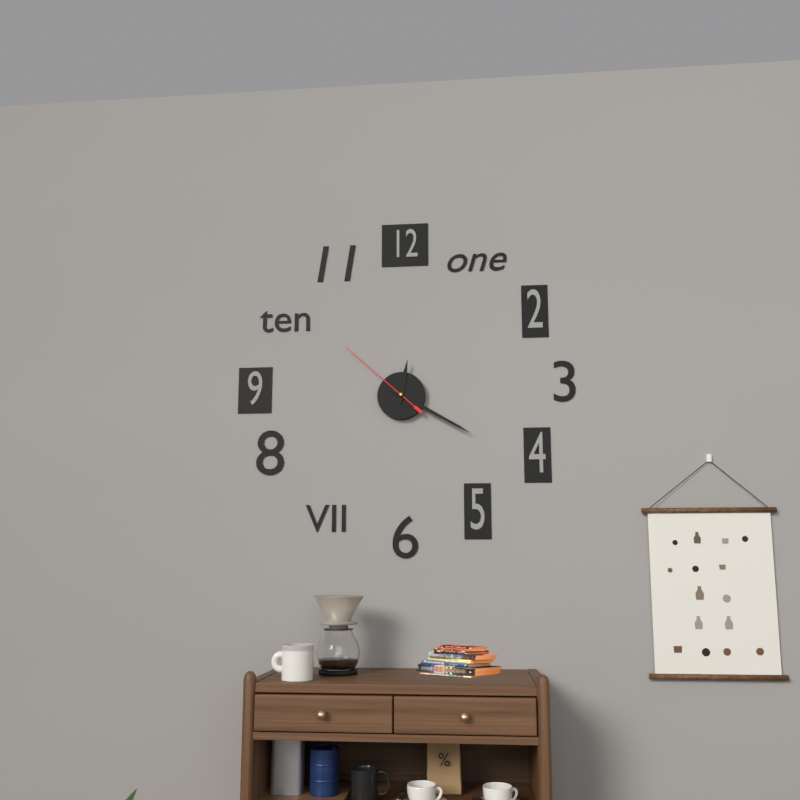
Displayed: 12 h 20 min 52 s
